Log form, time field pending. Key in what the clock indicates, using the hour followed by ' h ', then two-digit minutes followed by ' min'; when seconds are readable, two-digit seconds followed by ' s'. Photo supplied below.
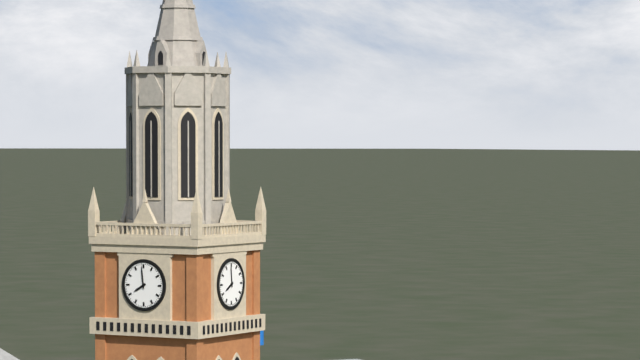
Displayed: 7 h 59 min
